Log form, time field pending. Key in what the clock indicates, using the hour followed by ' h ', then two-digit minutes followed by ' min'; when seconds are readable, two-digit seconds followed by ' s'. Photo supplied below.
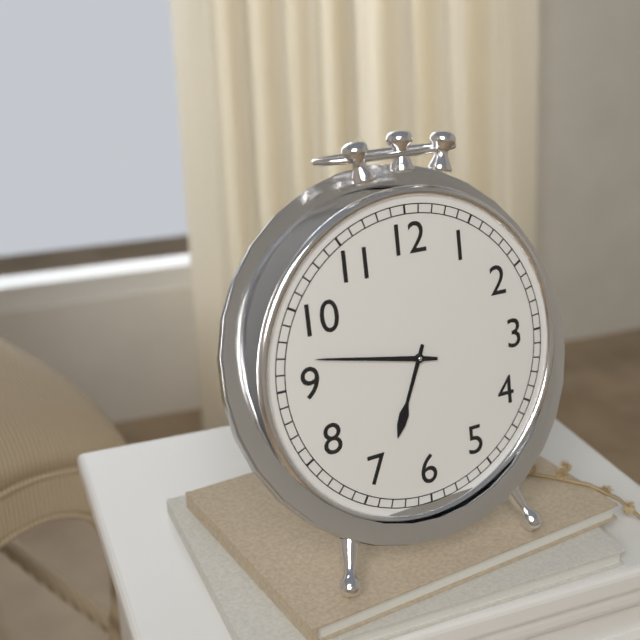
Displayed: 6 h 47 min
